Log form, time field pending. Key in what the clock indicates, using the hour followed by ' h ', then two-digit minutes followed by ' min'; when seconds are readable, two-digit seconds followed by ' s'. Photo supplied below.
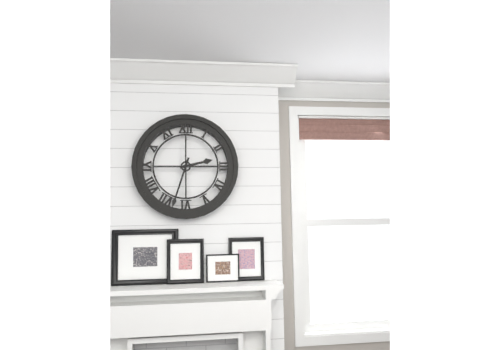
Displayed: 2 h 33 min
